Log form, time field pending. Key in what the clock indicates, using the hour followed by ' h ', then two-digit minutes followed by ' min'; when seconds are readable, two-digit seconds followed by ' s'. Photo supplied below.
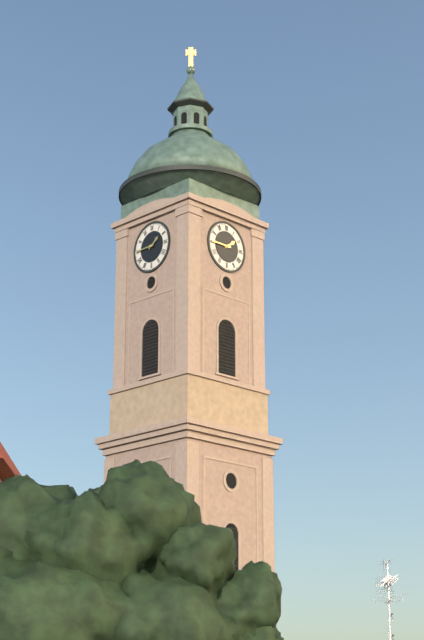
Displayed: 1 h 45 min
